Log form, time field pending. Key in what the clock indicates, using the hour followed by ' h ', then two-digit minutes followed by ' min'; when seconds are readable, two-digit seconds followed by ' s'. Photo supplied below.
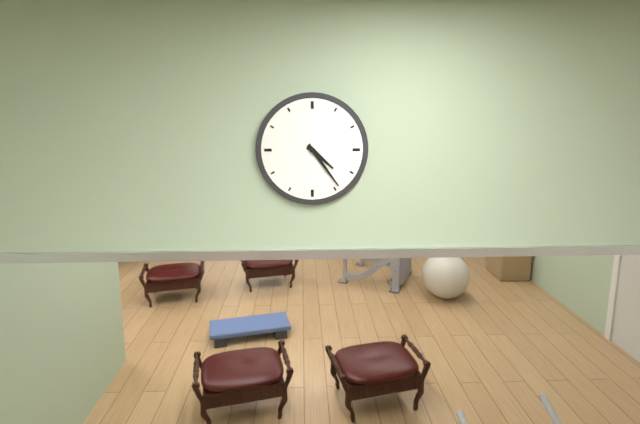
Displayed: 4 h 24 min
